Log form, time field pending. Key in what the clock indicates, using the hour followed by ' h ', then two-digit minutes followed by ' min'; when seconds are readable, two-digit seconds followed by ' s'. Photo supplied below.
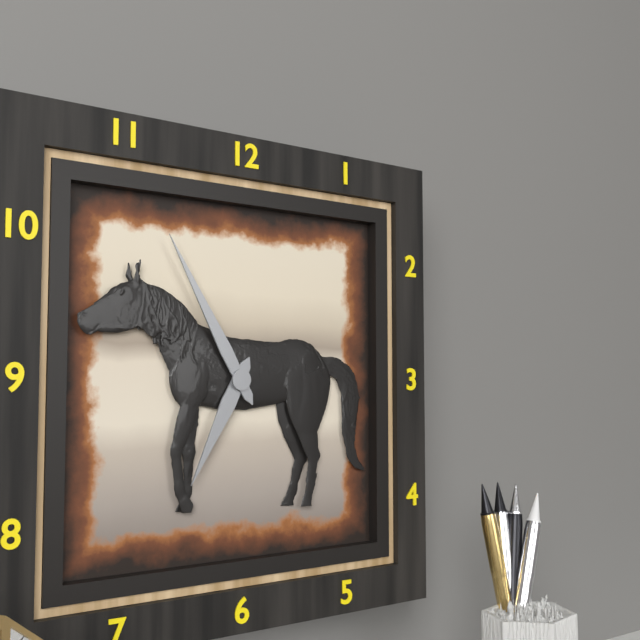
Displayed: 6 h 55 min
